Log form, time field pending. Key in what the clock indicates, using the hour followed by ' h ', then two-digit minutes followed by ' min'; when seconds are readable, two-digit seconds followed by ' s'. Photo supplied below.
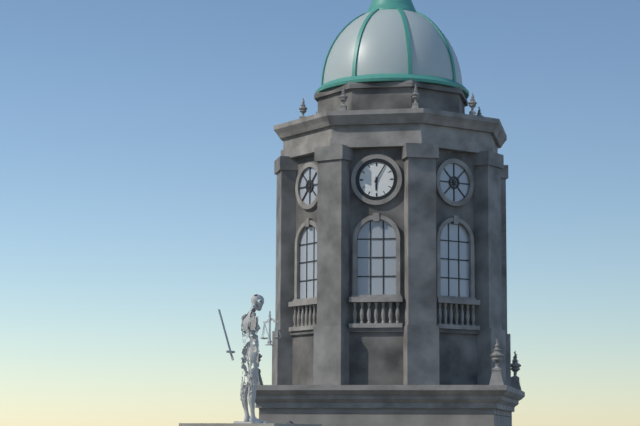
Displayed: 6 h 05 min
